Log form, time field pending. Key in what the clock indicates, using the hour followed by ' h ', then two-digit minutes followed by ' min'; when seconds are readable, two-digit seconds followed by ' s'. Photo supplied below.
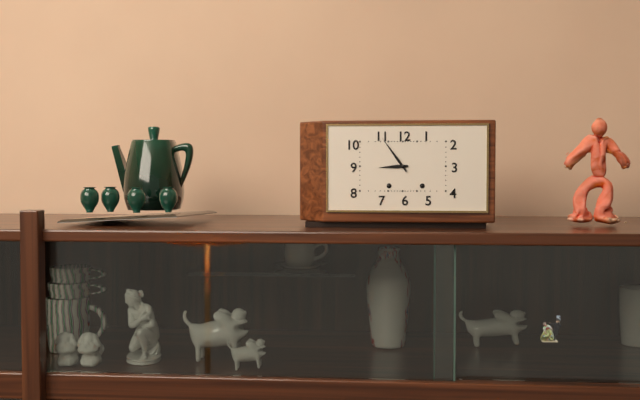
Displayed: 8 h 54 min
